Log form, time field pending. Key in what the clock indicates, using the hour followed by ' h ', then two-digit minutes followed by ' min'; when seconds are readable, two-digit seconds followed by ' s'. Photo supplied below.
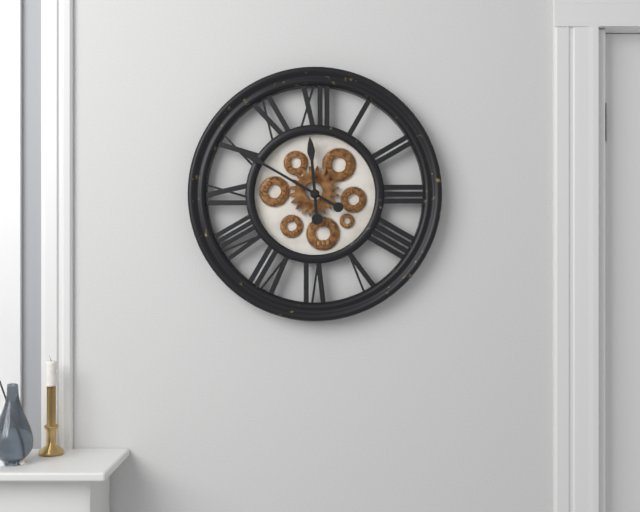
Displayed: 11 h 50 min
